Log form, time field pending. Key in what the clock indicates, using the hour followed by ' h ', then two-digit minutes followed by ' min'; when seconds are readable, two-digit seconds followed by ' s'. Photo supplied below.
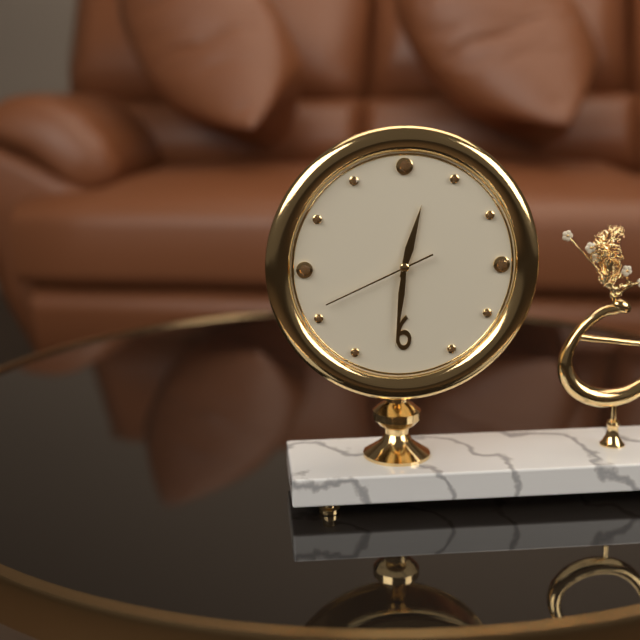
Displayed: 12 h 31 min 41 s
